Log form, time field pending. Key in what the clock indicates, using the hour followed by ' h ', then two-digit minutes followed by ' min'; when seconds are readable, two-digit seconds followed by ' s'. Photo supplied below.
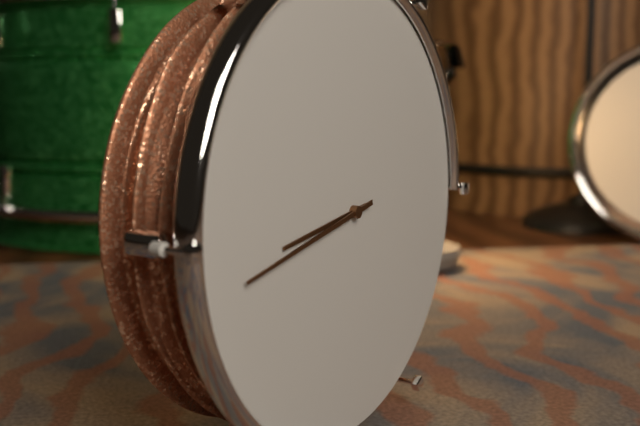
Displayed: 8 h 43 min
